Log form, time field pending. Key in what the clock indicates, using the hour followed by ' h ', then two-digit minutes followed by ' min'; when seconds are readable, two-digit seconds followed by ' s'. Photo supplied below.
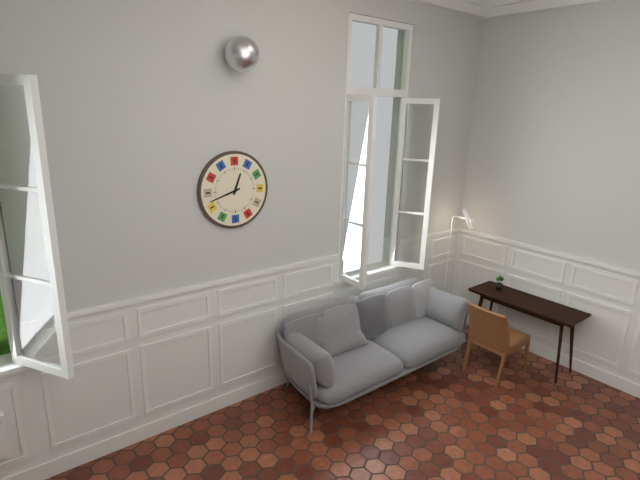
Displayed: 12 h 42 min
